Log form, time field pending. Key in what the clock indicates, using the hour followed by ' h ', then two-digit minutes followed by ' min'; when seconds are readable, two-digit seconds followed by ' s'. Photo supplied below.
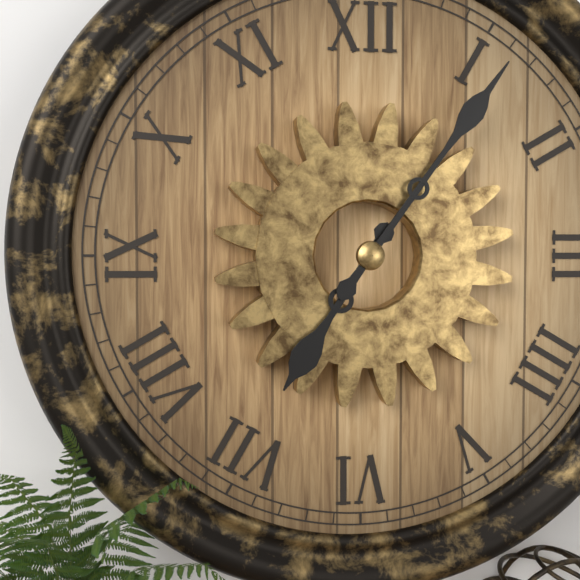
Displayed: 7 h 06 min
